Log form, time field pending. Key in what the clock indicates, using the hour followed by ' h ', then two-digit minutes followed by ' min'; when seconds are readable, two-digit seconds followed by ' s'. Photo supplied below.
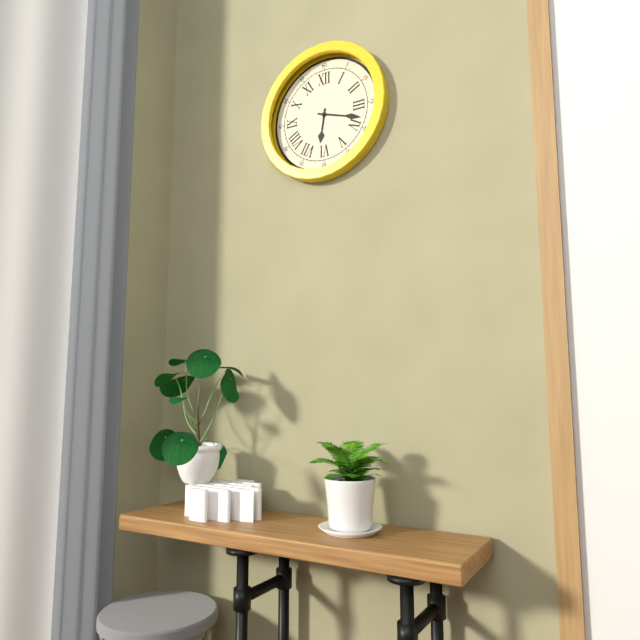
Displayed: 6 h 18 min
